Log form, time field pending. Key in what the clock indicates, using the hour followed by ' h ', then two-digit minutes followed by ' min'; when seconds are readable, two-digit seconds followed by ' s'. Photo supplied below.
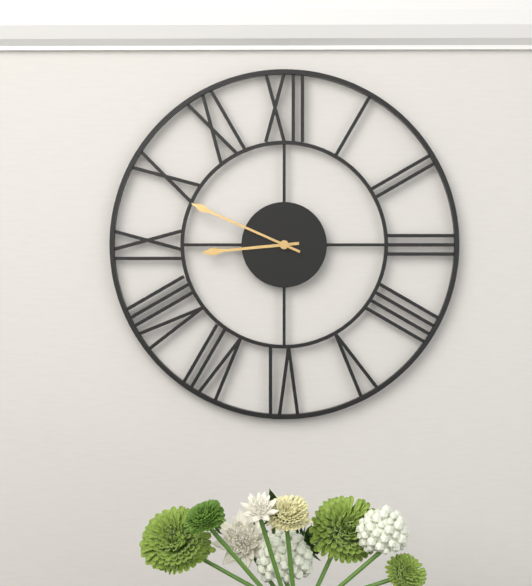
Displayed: 8 h 49 min
